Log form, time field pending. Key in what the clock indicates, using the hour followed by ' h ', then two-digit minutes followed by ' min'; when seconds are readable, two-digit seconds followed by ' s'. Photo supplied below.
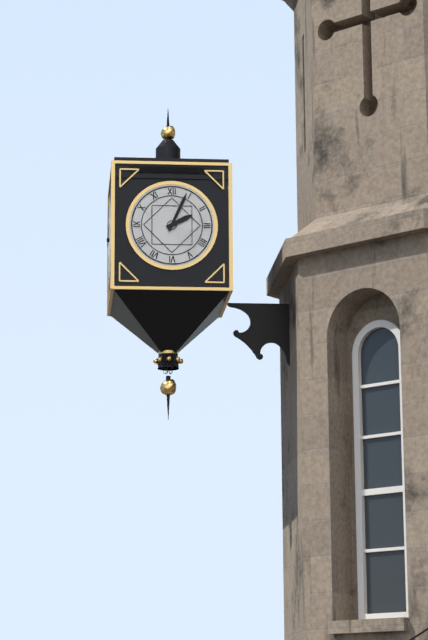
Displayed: 2 h 04 min
